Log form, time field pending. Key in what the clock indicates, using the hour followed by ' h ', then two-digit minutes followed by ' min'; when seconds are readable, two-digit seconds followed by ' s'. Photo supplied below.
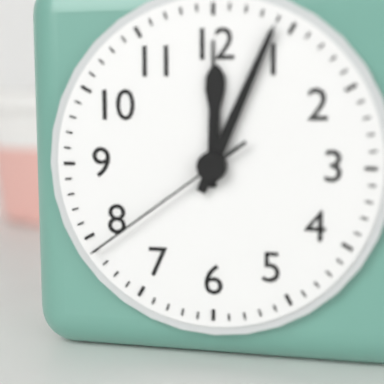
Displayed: 12 h 04 min 39 s
